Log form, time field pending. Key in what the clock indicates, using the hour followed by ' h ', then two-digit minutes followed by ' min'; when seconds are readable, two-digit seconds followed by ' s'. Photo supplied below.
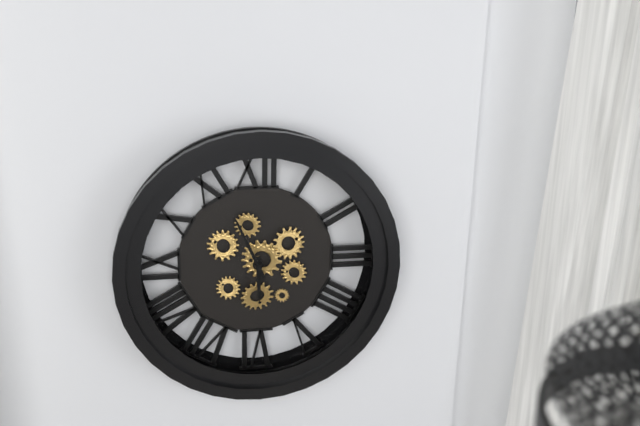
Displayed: 5 h 56 min
